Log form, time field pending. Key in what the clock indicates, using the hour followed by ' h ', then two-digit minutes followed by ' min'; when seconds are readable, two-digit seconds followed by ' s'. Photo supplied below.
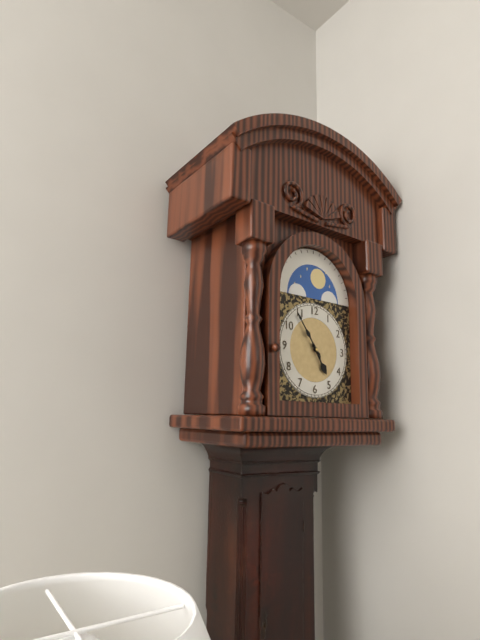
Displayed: 4 h 54 min
